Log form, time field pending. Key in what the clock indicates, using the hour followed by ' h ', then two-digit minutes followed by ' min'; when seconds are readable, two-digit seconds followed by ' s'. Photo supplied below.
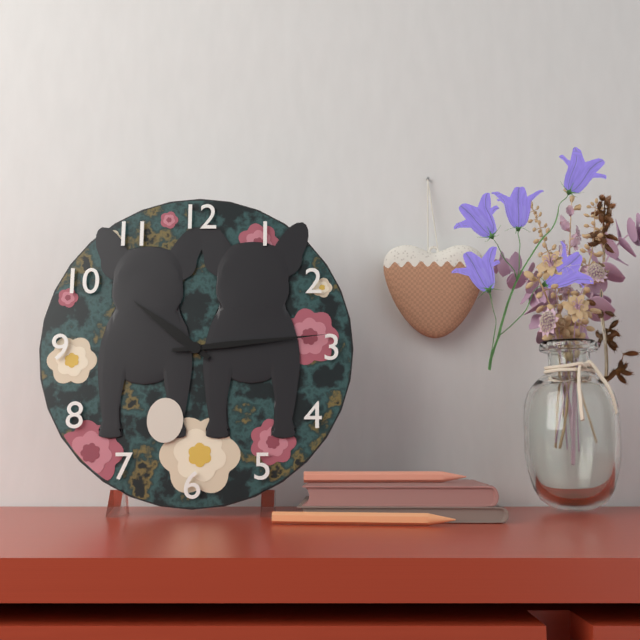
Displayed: 10 h 14 min
